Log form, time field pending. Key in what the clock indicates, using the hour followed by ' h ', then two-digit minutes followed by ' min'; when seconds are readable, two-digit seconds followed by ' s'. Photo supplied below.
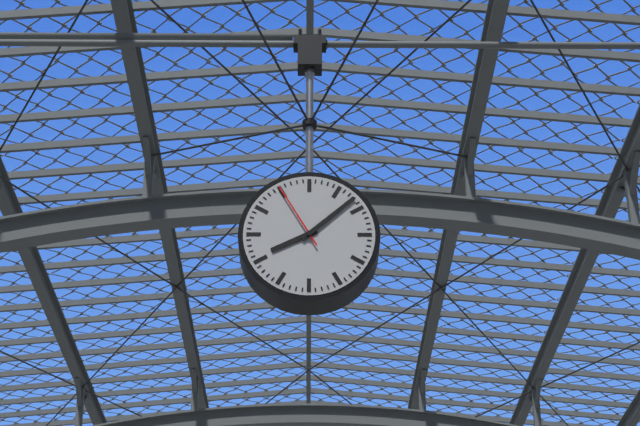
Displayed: 8 h 08 min 55 s
